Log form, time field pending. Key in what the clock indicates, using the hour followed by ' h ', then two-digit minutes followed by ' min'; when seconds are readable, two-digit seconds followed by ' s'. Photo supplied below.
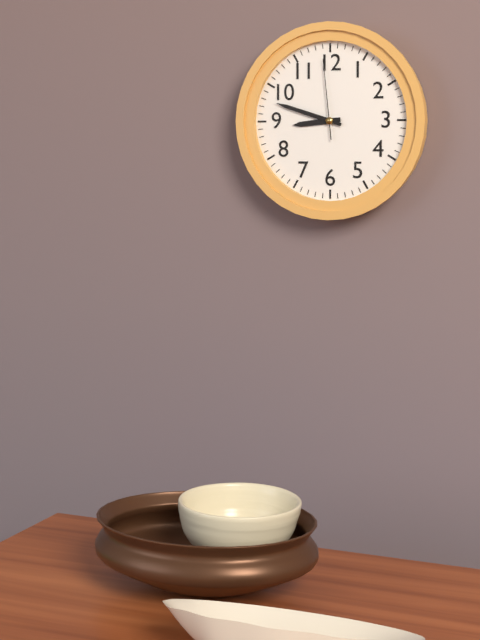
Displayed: 8 h 48 min 59 s
